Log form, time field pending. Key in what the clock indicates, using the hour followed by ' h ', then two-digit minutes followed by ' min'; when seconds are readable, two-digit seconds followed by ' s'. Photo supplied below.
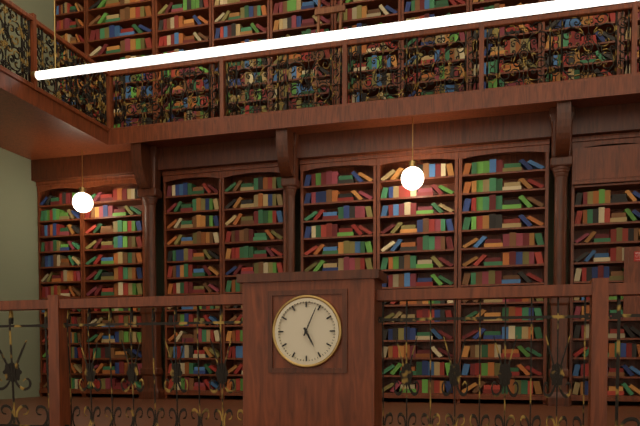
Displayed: 5 h 04 min
